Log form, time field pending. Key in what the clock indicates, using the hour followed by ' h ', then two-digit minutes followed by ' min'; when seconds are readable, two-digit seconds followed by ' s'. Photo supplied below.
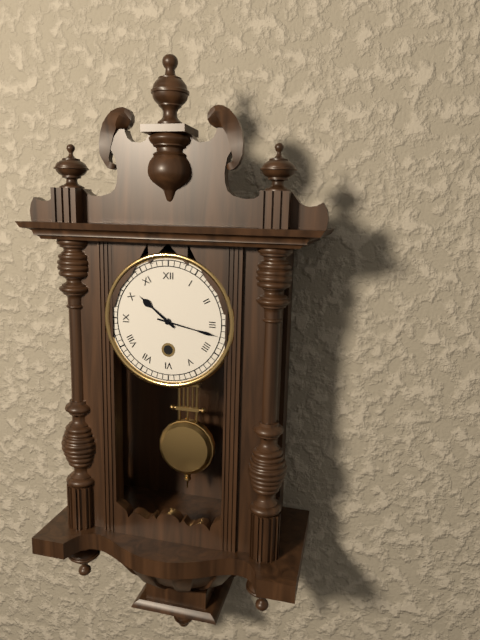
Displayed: 10 h 17 min
